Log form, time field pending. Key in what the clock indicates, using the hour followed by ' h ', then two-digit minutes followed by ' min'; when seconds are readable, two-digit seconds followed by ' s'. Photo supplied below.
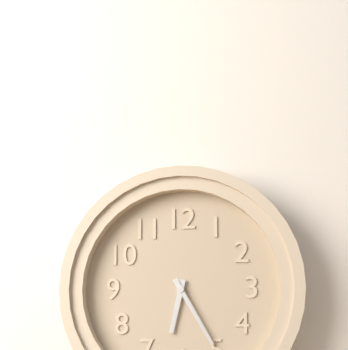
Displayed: 6 h 25 min
